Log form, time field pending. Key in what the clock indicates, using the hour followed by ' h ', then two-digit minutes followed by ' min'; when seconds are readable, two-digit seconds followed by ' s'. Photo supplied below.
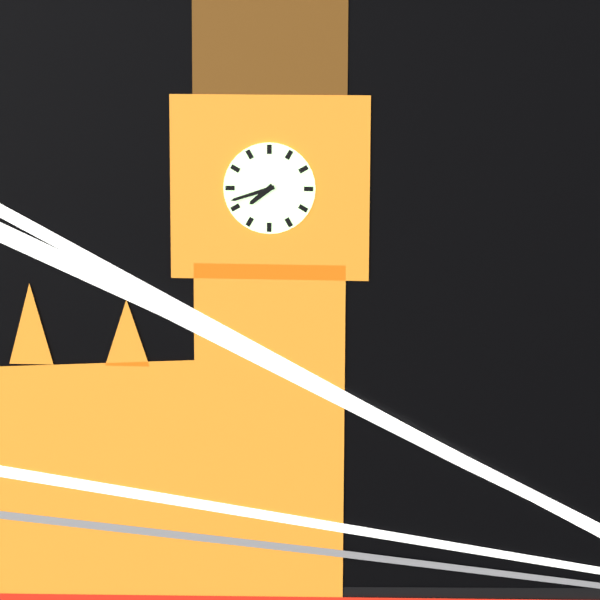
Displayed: 7 h 42 min
